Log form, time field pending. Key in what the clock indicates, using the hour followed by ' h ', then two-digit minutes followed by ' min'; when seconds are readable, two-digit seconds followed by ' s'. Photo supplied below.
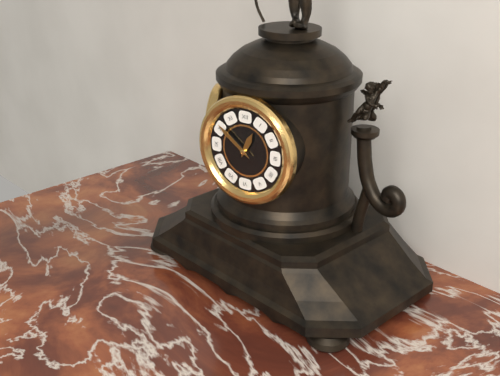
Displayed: 12 h 51 min
